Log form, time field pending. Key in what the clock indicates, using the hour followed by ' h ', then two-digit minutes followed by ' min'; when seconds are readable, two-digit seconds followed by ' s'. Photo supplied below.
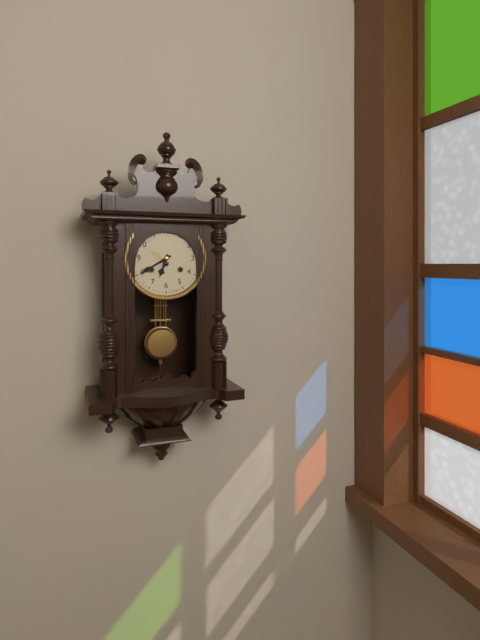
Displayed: 6 h 40 min
